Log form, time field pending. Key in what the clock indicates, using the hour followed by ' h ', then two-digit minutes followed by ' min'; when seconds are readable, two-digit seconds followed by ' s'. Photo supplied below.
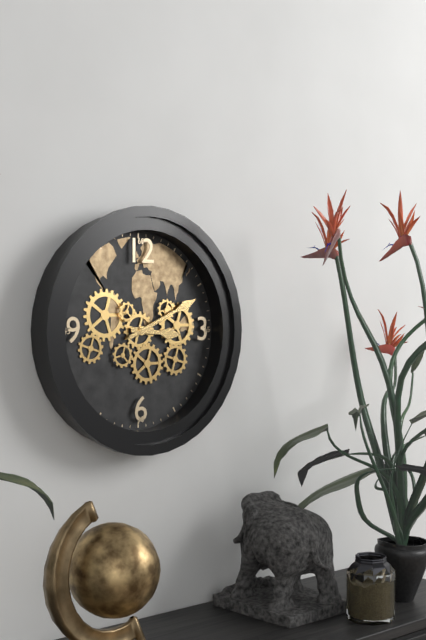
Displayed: 3 h 11 min
